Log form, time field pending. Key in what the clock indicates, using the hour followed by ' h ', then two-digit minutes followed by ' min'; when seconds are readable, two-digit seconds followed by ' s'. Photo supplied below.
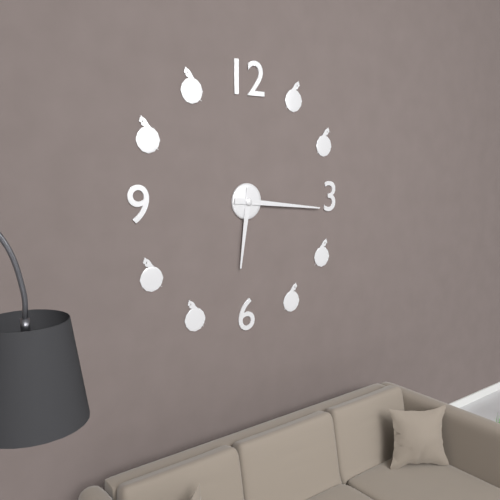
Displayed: 6 h 16 min
